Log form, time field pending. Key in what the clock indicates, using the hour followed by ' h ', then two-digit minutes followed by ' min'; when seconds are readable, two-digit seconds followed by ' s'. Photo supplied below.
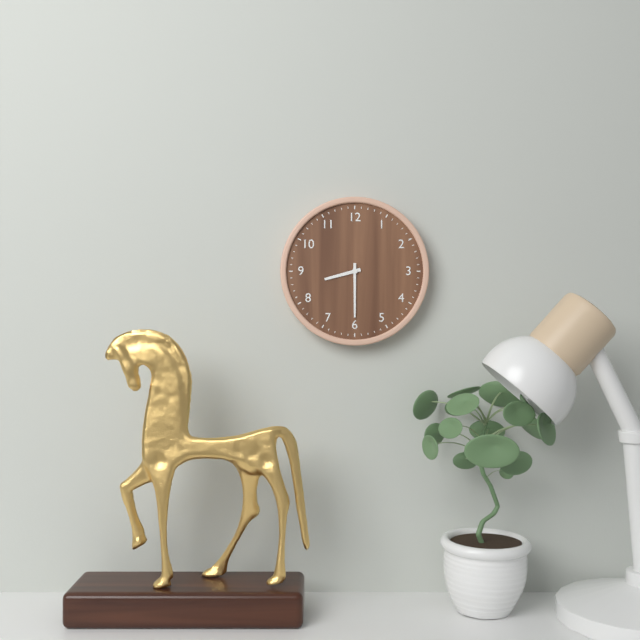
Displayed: 8 h 30 min
